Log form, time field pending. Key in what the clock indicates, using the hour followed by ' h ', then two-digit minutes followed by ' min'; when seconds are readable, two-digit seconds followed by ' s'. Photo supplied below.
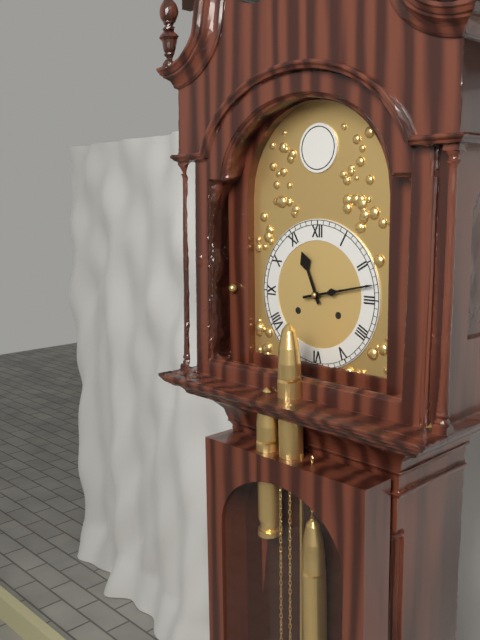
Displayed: 11 h 13 min
